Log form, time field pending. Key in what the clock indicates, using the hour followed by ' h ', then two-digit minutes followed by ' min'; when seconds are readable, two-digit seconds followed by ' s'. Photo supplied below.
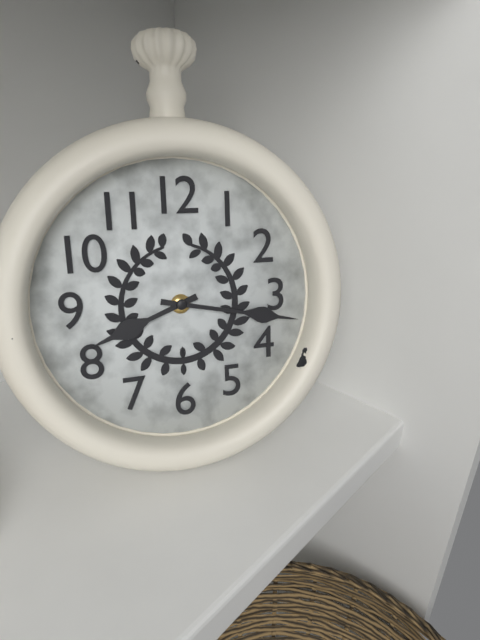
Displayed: 8 h 17 min
